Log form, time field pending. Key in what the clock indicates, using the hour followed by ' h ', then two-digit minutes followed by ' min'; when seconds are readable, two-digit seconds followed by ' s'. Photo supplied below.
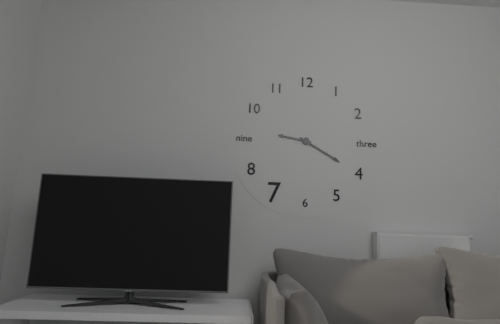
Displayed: 9 h 20 min
